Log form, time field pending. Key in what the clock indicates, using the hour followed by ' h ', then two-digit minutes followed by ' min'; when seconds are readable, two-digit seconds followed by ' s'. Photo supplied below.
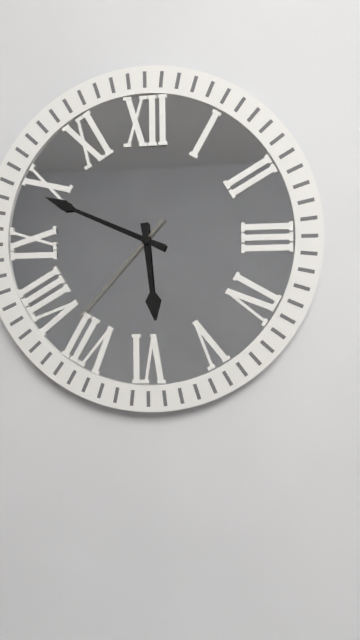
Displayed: 5 h 49 min 37 s
